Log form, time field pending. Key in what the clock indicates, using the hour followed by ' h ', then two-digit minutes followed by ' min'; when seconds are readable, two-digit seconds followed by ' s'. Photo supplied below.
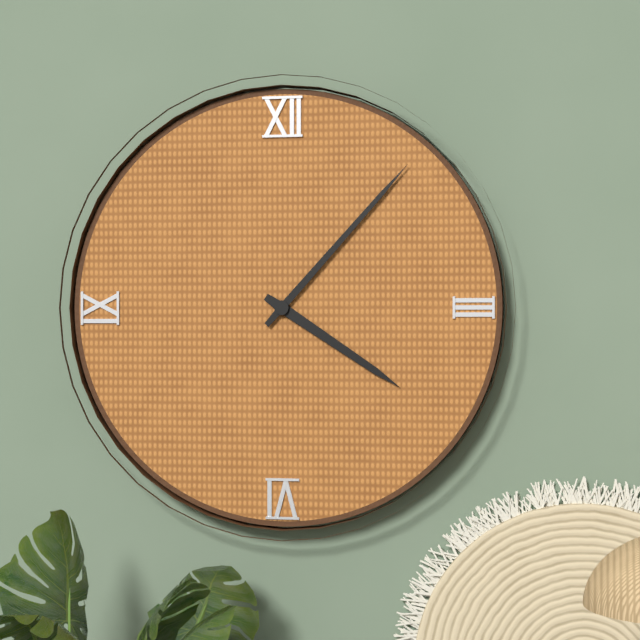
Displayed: 4 h 07 min
